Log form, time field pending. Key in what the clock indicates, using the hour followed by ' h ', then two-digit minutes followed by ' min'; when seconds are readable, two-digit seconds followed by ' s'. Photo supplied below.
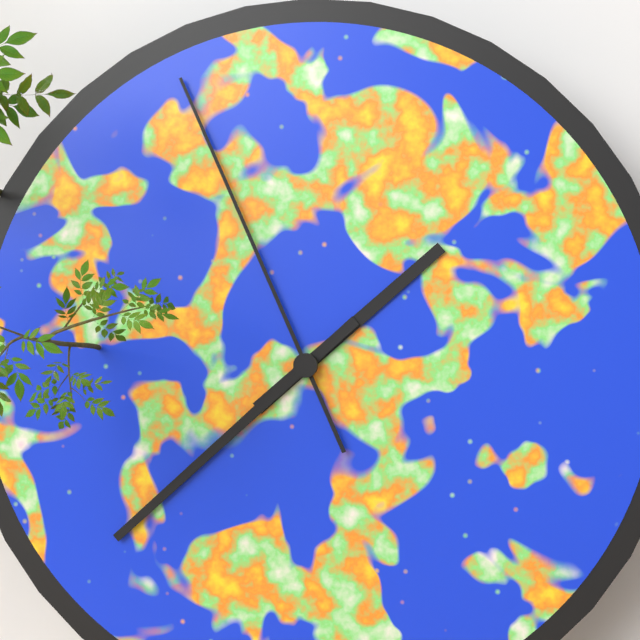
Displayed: 1 h 38 min 56 s
